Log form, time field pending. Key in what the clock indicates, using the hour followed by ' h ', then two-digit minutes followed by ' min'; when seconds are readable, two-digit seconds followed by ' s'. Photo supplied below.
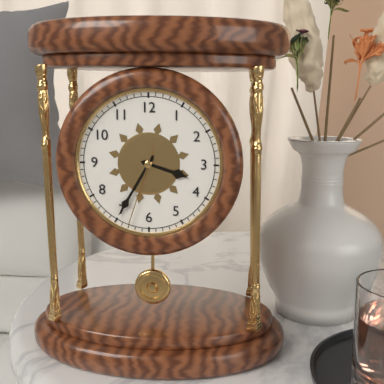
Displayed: 3 h 35 min 33 s
